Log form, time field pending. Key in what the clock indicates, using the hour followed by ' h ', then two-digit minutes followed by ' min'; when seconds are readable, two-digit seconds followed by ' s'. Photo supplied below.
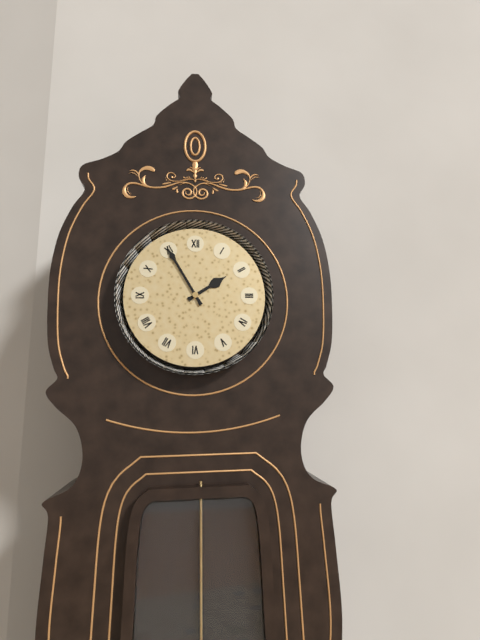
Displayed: 1 h 55 min
